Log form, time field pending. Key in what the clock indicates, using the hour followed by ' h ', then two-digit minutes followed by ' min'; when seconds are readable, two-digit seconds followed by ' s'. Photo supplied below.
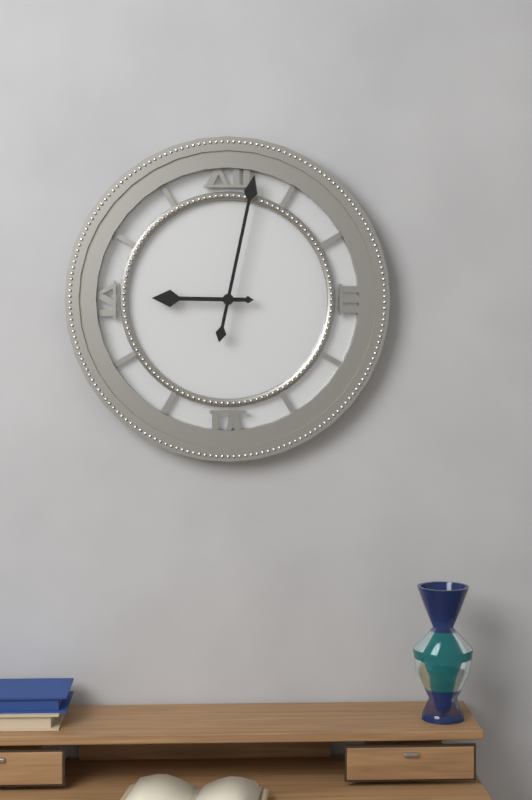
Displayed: 9 h 02 min
